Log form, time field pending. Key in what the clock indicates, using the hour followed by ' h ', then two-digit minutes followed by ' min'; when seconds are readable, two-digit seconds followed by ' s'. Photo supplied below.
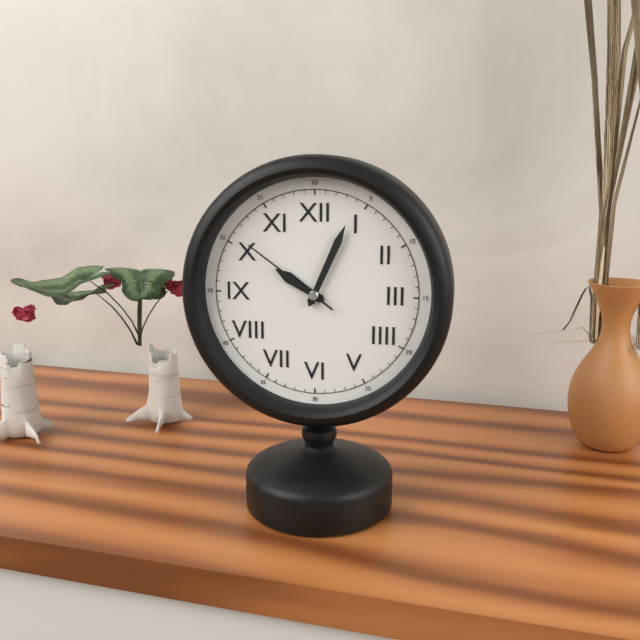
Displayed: 10 h 04 min 51 s
